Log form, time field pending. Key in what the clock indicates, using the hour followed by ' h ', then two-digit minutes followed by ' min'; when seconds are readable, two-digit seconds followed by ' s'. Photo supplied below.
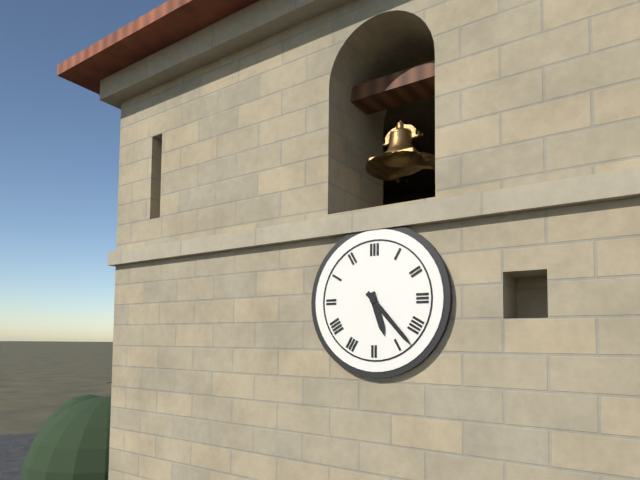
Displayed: 5 h 23 min
